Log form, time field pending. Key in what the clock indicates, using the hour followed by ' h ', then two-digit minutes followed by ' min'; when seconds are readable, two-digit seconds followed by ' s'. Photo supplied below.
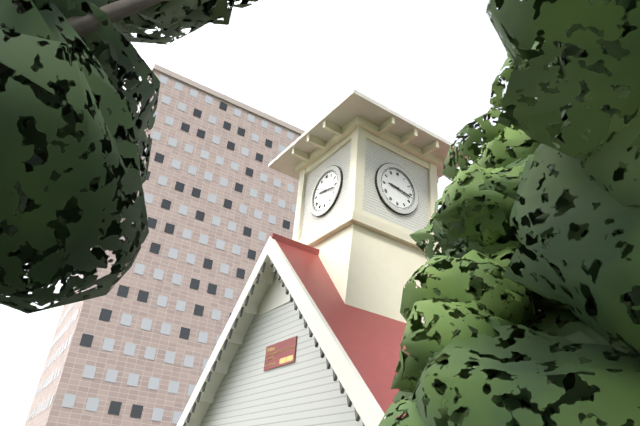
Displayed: 9 h 17 min
